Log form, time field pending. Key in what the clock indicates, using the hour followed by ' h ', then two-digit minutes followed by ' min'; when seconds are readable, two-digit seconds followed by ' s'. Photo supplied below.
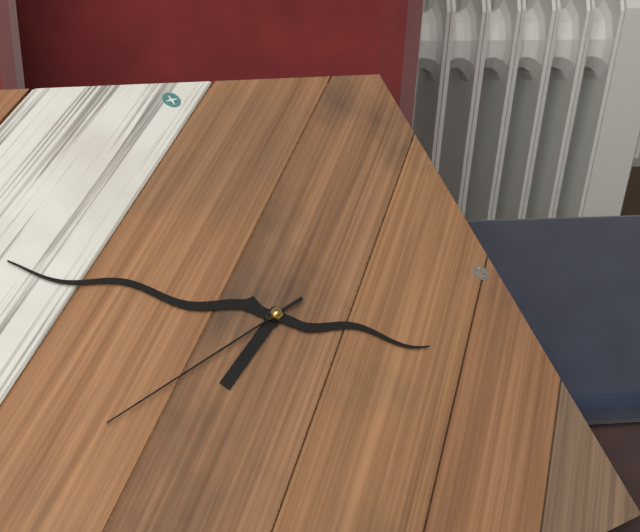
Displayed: 7 h 49 min 42 s
